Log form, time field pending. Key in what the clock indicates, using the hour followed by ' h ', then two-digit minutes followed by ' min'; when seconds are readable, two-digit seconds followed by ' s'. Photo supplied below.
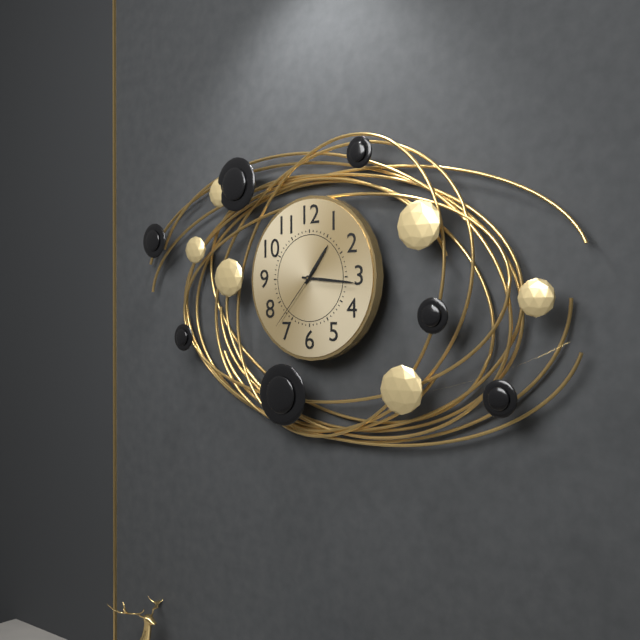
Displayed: 1 h 16 min 37 s
